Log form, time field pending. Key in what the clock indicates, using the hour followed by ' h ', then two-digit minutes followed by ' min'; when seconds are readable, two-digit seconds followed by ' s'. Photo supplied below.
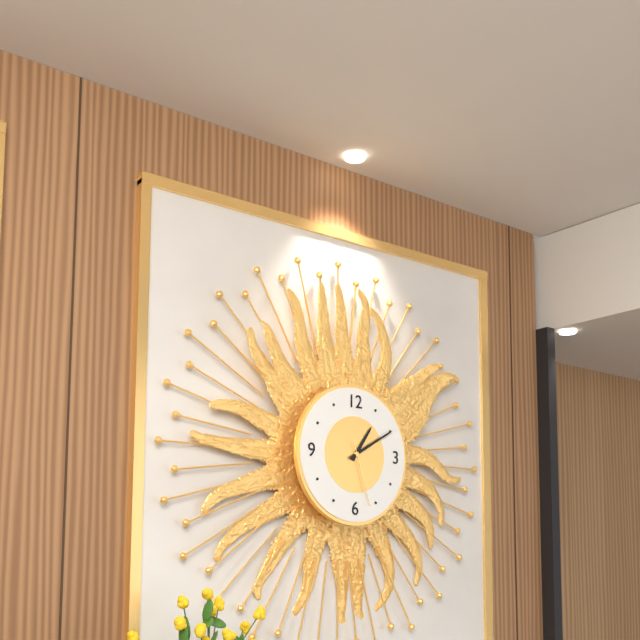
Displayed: 1 h 10 min 27 s
